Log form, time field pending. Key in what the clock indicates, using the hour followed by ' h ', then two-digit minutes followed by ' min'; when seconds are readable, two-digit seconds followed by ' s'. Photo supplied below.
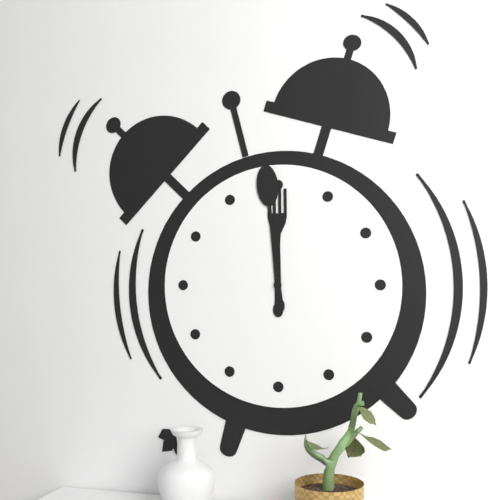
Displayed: 11 h 59 min
